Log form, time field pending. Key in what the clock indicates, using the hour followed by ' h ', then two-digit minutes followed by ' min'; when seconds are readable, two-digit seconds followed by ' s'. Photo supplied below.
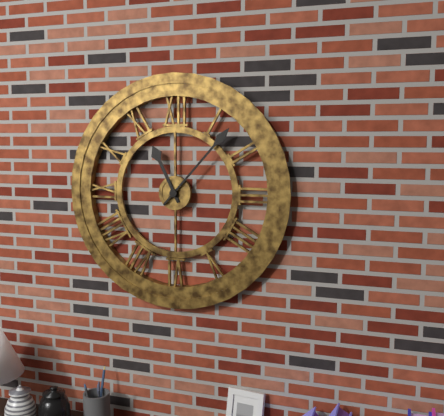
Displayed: 11 h 07 min
